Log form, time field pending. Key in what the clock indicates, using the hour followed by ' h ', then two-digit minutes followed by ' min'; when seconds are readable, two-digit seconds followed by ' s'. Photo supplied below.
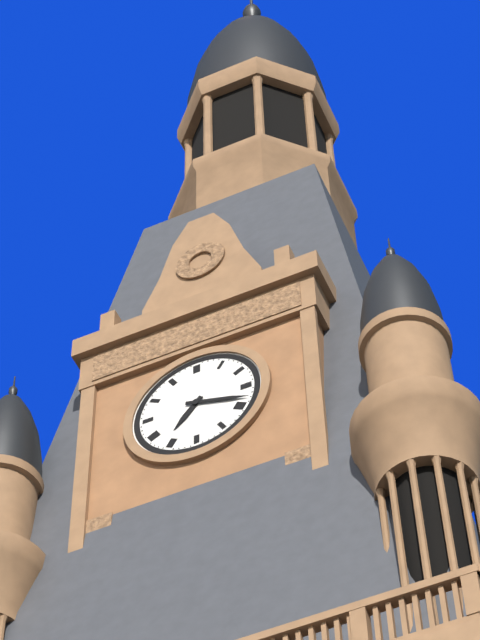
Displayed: 7 h 18 min
